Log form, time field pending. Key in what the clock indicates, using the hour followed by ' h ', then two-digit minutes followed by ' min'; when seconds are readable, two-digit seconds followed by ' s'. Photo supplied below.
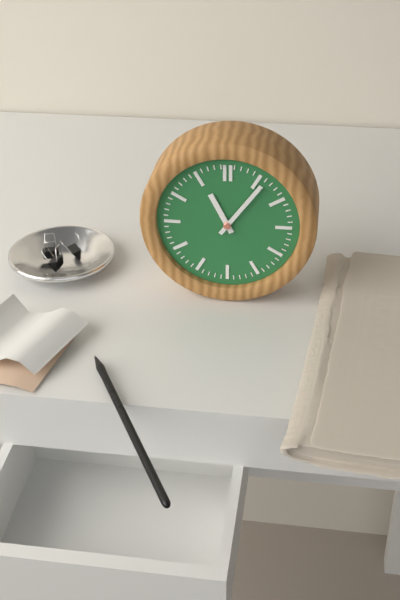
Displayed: 11 h 06 min
